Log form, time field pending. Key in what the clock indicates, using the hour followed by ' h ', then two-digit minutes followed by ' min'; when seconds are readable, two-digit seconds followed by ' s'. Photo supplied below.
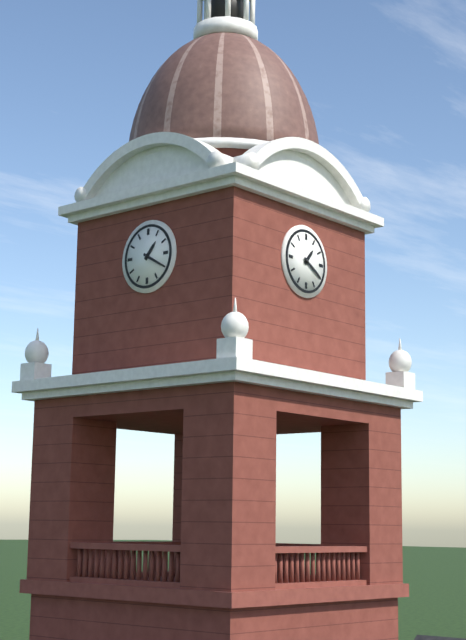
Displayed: 1 h 20 min
